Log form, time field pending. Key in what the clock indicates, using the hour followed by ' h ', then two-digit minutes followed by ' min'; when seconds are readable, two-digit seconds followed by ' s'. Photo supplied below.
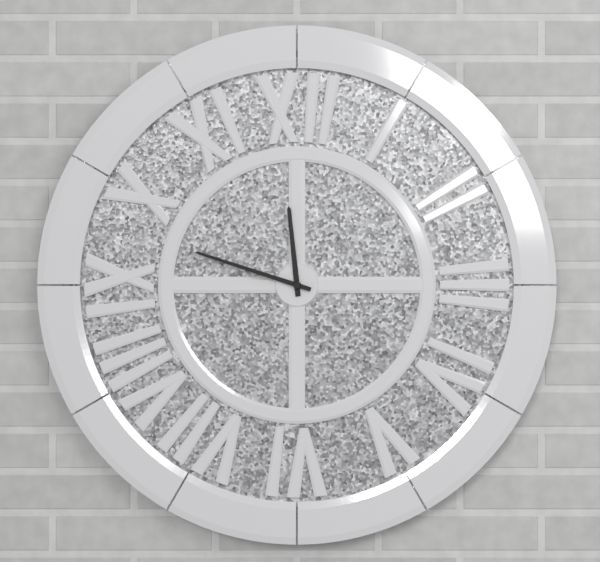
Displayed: 11 h 48 min
